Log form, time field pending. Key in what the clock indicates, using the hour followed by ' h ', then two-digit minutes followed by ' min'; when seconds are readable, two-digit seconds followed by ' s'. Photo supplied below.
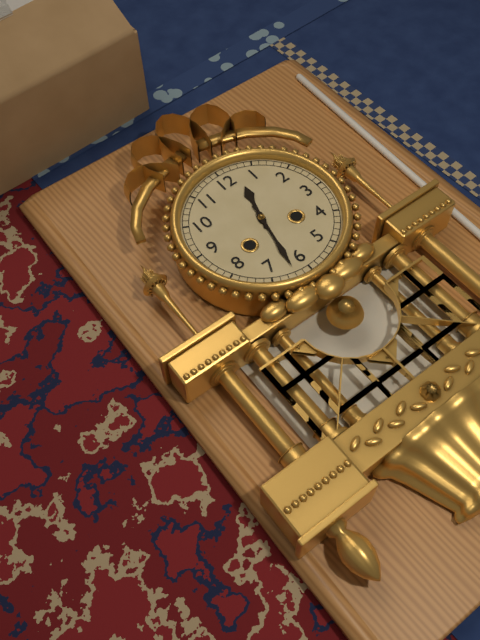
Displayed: 12 h 32 min
